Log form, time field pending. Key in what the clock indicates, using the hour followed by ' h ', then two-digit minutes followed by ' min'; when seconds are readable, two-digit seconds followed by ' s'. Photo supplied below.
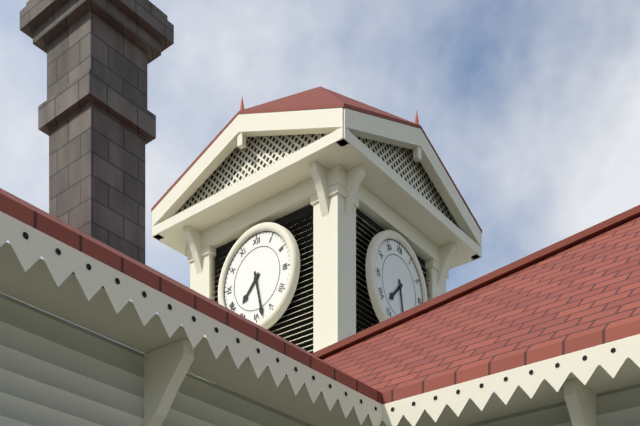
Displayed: 7 h 28 min
